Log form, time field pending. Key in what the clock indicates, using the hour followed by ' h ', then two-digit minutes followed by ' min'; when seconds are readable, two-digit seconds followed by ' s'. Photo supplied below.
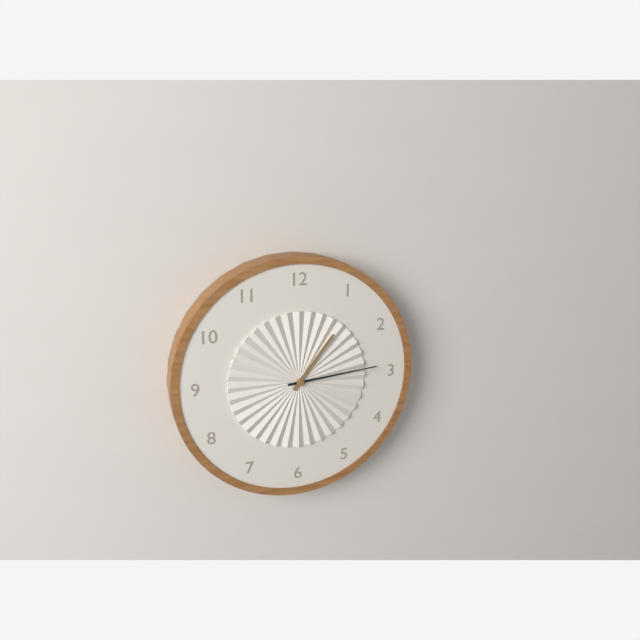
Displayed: 1 h 14 min
